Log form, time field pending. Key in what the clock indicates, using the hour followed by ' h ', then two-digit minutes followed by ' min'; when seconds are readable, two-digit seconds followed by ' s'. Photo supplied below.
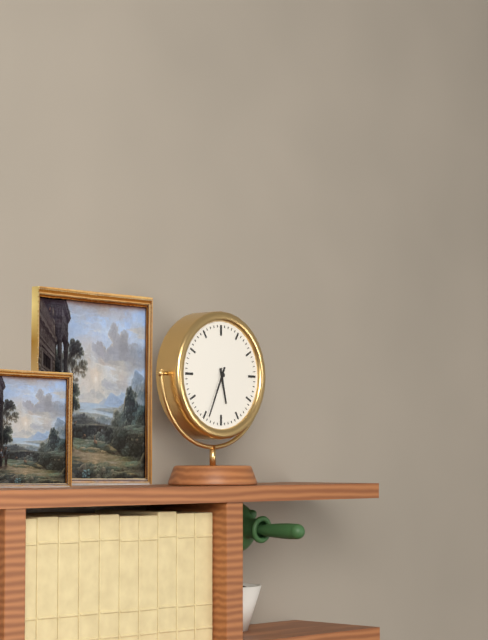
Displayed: 5 h 34 min
